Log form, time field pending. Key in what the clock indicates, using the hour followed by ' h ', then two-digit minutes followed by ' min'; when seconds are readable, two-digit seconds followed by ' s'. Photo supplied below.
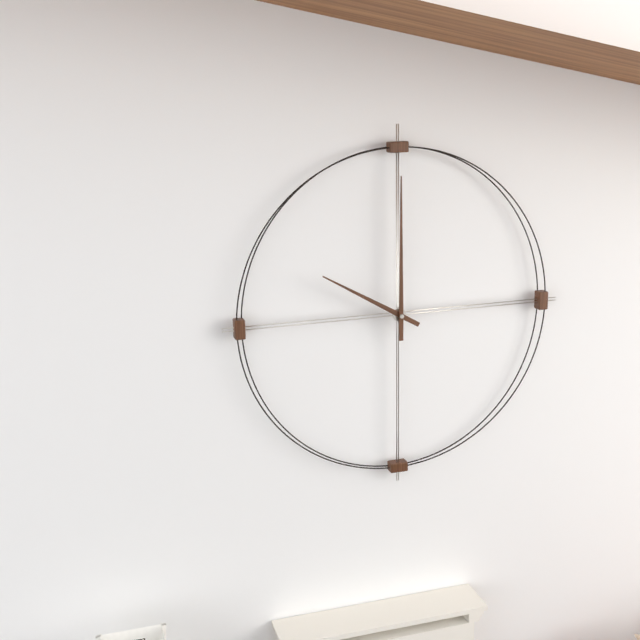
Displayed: 10 h 00 min
